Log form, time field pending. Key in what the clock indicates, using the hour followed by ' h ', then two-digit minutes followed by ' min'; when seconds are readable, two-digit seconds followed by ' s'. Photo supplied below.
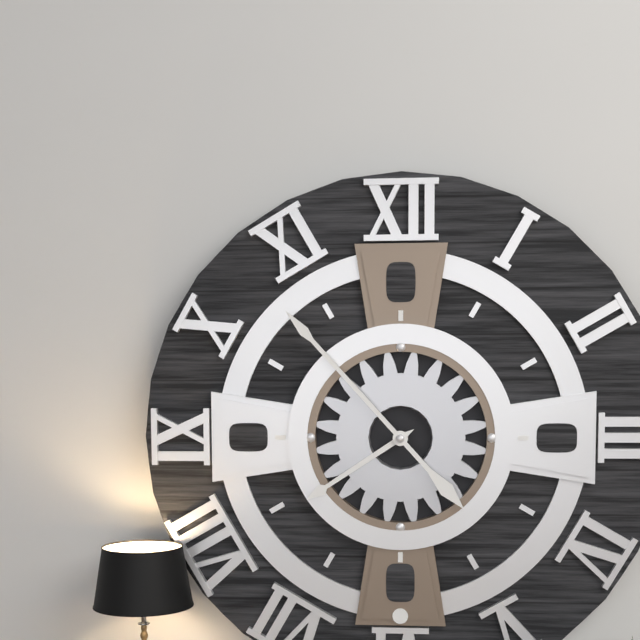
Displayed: 7 h 53 min
